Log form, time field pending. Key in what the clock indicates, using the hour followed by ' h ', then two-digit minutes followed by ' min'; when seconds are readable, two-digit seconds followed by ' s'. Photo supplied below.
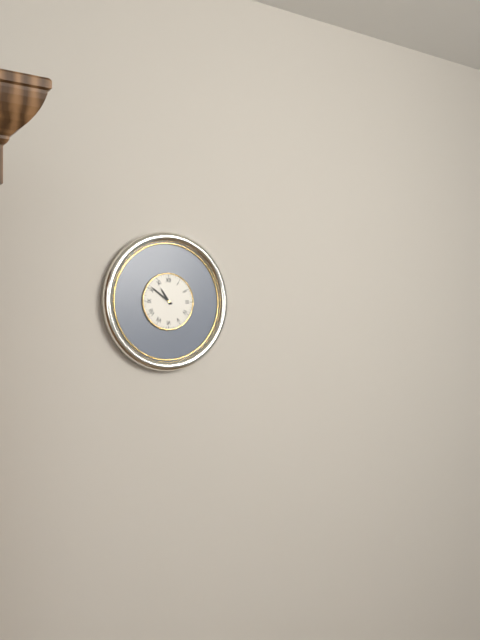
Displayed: 10 h 51 min
